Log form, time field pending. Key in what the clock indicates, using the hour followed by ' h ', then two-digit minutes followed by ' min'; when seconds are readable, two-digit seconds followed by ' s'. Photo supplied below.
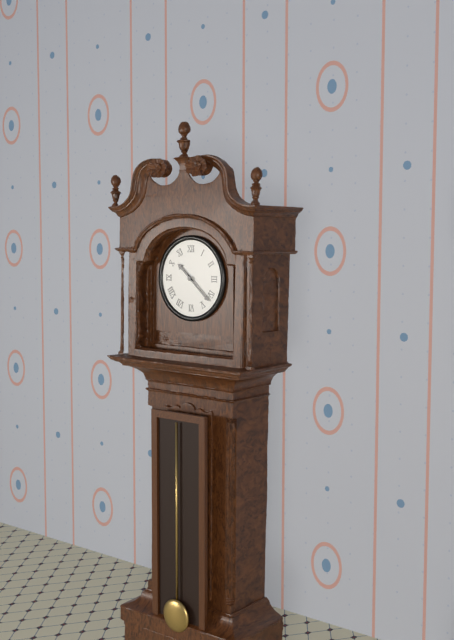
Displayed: 10 h 22 min
